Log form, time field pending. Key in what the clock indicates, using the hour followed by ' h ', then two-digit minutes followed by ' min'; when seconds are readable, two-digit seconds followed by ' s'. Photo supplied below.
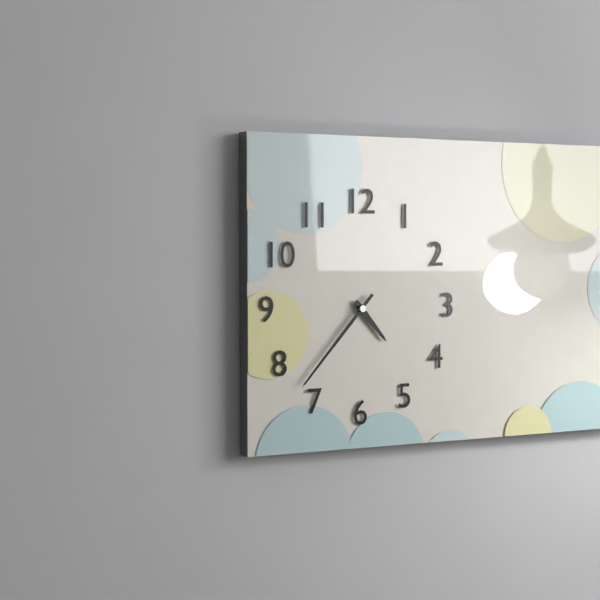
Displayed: 4 h 37 min
